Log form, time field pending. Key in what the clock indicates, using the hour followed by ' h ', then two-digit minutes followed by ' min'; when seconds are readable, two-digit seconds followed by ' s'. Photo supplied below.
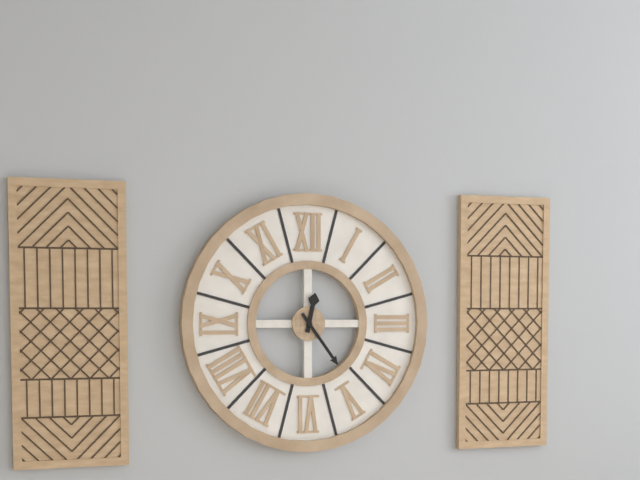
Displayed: 12 h 24 min
